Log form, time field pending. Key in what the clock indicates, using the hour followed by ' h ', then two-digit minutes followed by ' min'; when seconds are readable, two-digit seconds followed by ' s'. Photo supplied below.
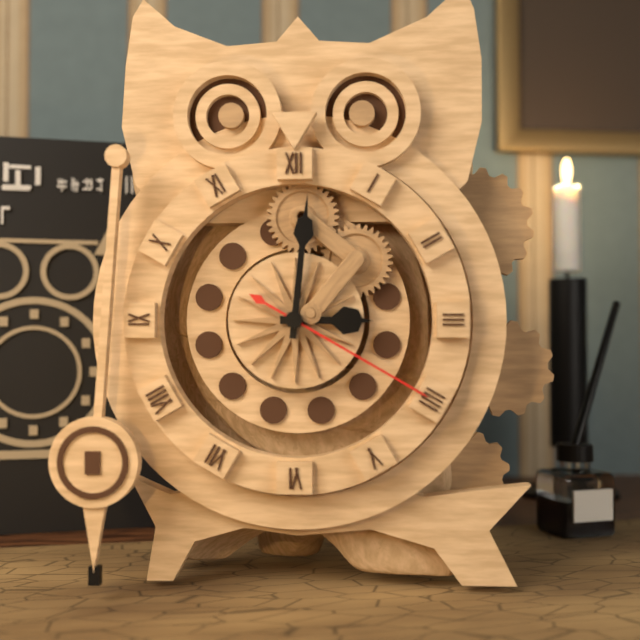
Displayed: 3 h 01 min 20 s
